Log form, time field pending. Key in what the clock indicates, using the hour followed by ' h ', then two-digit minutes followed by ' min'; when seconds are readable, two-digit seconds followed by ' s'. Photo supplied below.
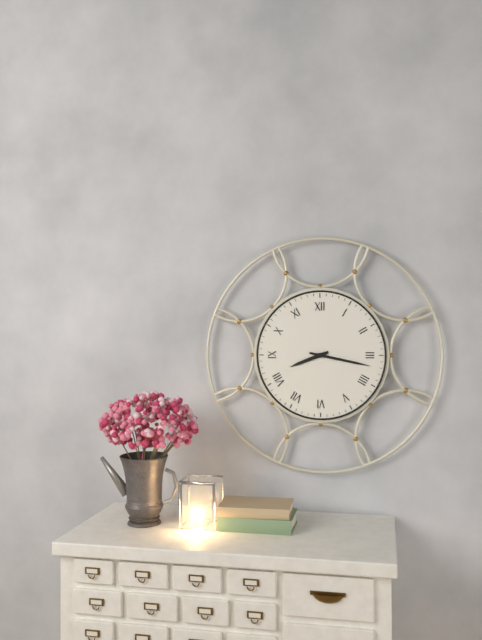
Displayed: 8 h 17 min
